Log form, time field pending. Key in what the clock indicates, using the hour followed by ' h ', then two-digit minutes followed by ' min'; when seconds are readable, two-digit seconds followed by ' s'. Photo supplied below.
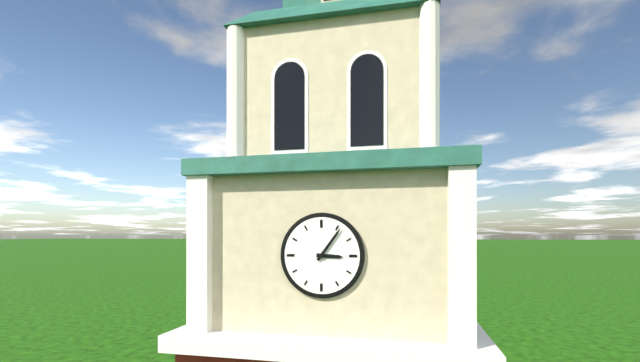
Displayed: 3 h 06 min
